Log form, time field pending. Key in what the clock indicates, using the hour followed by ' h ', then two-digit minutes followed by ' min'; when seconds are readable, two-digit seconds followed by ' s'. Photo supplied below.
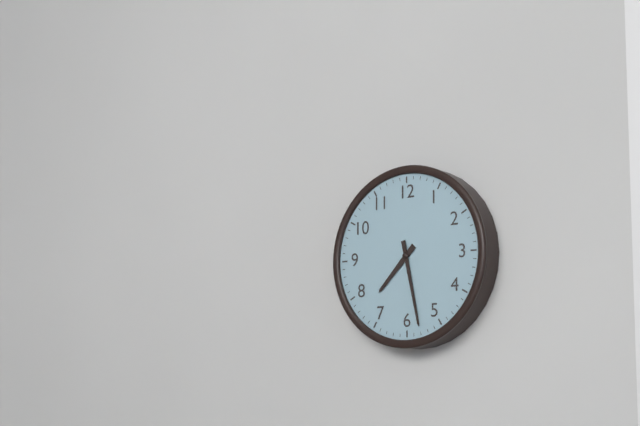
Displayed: 7 h 28 min
